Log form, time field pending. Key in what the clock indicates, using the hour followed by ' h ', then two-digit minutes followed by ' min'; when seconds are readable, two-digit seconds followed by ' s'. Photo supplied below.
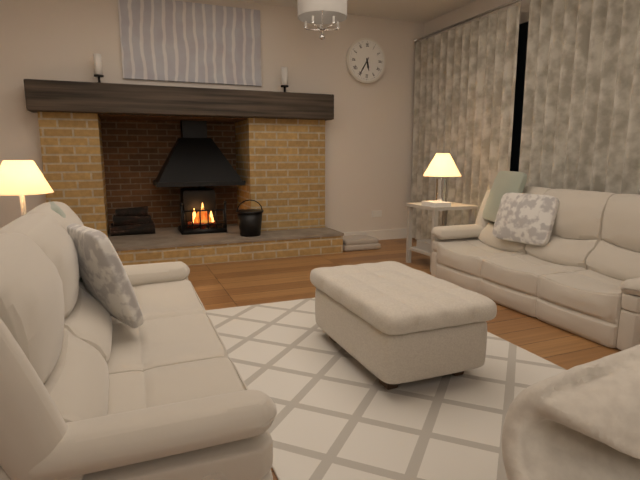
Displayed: 5 h 35 min
